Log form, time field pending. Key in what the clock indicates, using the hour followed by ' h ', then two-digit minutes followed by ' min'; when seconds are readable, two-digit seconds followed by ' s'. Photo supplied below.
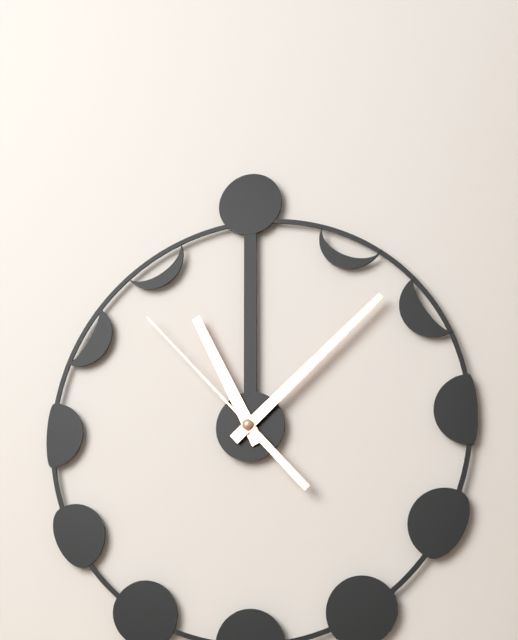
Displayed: 11 h 08 min 53 s
